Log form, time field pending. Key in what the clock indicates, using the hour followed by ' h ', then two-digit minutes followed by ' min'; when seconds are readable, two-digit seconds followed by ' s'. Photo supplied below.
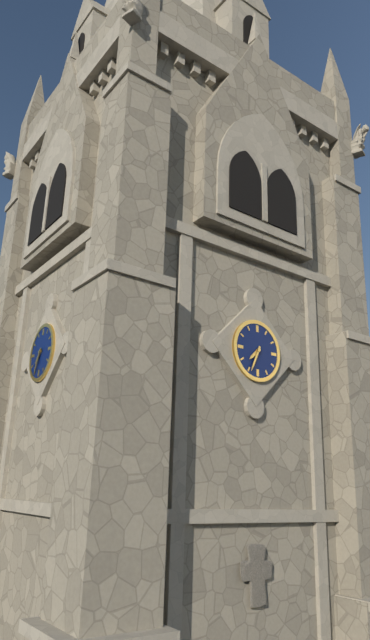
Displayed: 7 h 34 min
